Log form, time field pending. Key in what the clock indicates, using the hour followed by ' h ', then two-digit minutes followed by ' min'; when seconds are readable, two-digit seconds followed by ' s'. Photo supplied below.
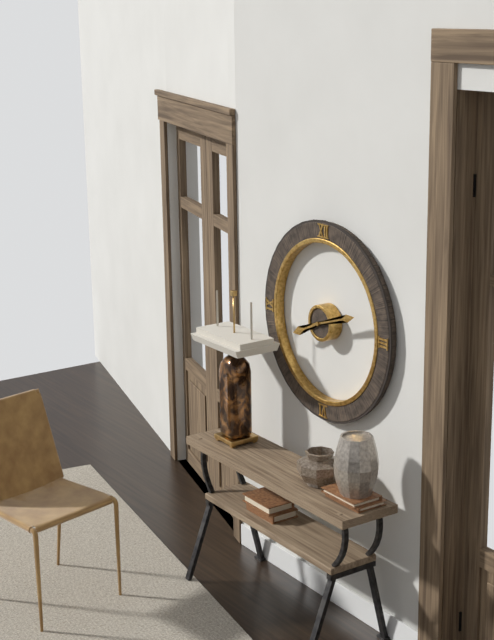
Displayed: 8 h 12 min
